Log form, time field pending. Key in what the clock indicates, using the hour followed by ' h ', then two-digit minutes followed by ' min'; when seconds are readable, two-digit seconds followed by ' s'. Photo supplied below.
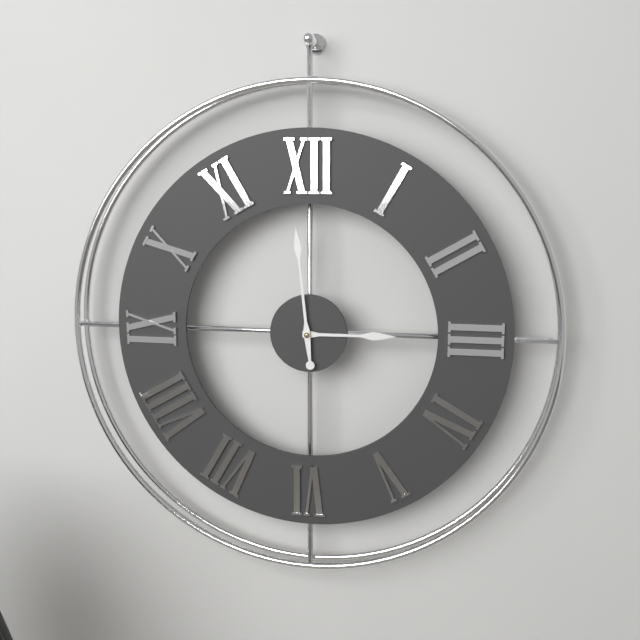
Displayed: 2 h 59 min
